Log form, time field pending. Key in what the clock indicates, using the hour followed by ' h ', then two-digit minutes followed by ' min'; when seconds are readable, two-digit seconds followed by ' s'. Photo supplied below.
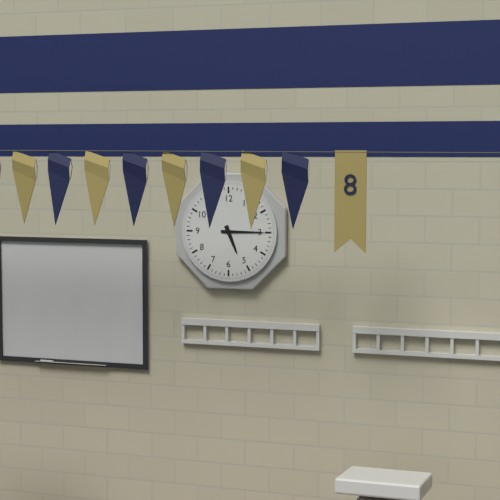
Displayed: 5 h 15 min
